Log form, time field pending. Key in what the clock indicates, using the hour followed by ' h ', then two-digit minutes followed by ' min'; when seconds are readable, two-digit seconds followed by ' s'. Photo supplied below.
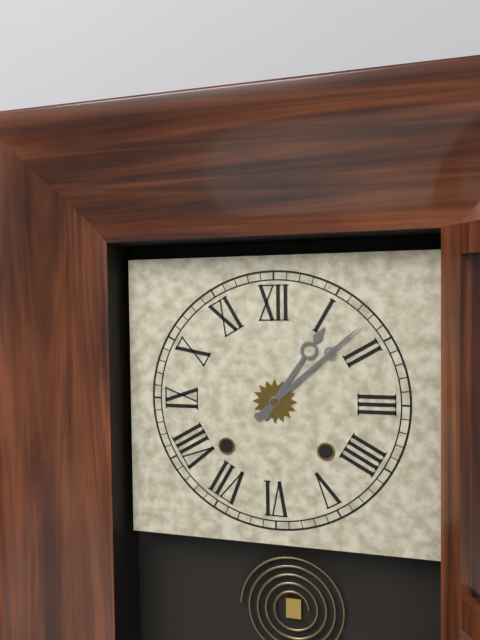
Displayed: 1 h 08 min
